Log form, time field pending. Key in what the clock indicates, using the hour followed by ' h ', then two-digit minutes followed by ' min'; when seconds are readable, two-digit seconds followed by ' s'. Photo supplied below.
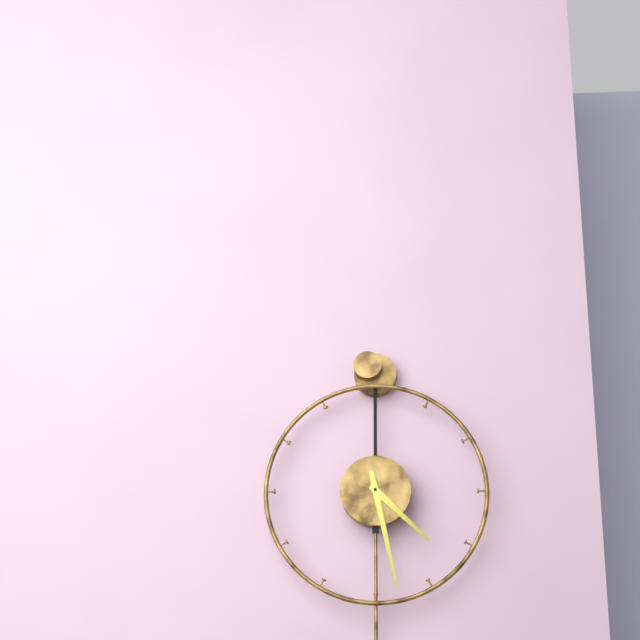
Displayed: 4 h 28 min
